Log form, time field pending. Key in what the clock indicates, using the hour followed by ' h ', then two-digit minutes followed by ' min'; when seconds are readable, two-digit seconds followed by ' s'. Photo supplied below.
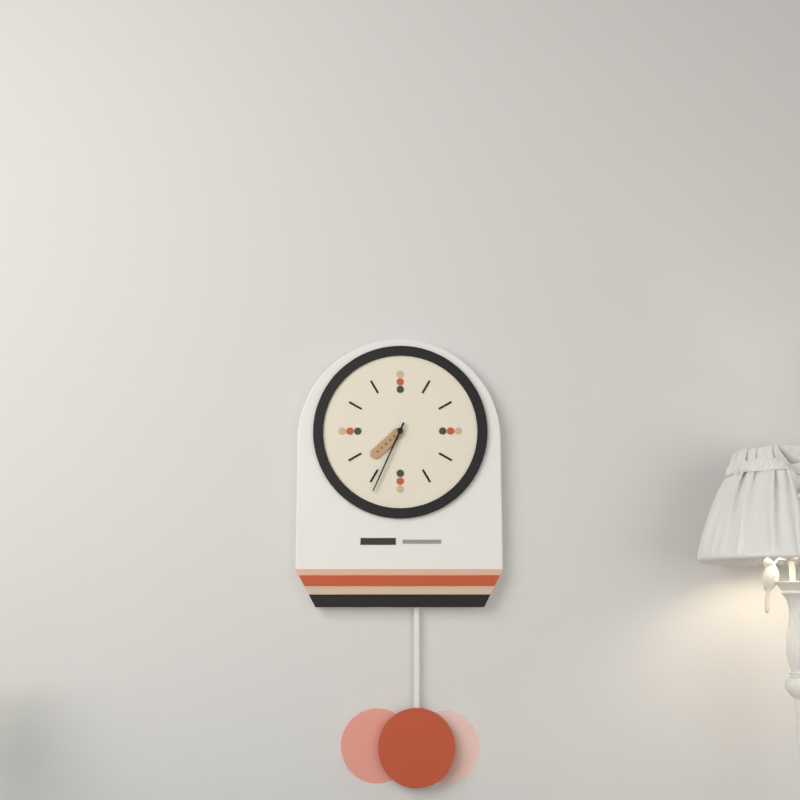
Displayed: 7 h 34 min
